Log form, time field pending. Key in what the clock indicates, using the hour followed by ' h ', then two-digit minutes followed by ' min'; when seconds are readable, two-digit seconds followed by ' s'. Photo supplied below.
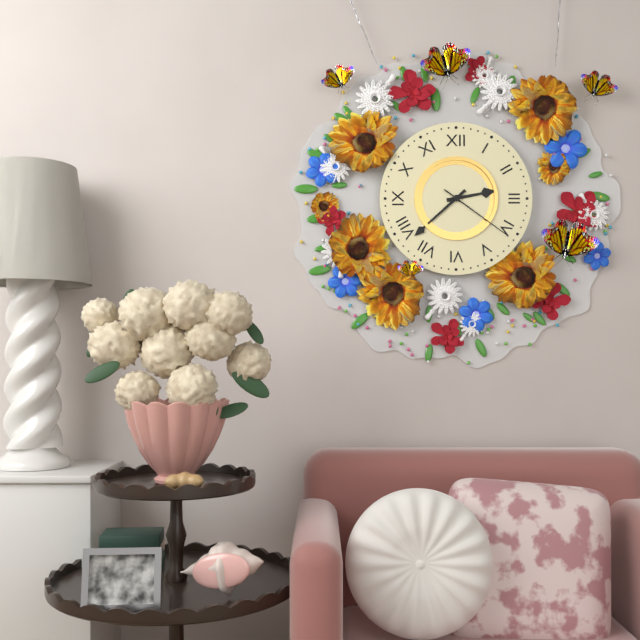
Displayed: 2 h 38 min 21 s
